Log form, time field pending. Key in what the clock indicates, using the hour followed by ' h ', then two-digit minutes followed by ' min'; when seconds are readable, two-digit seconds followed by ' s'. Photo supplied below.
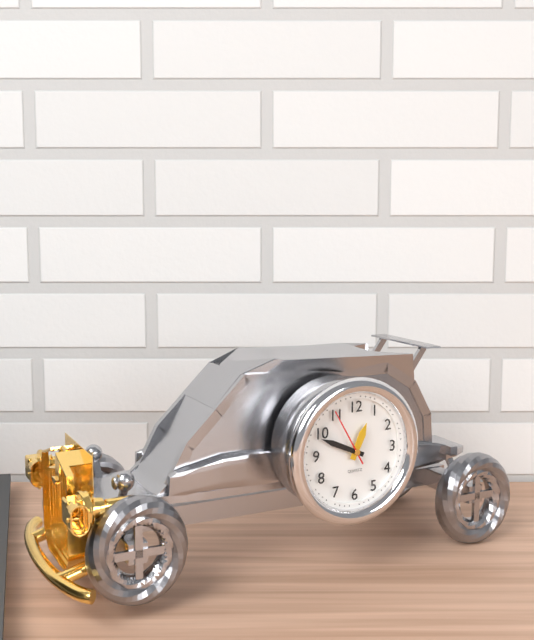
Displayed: 12 h 49 min 55 s
